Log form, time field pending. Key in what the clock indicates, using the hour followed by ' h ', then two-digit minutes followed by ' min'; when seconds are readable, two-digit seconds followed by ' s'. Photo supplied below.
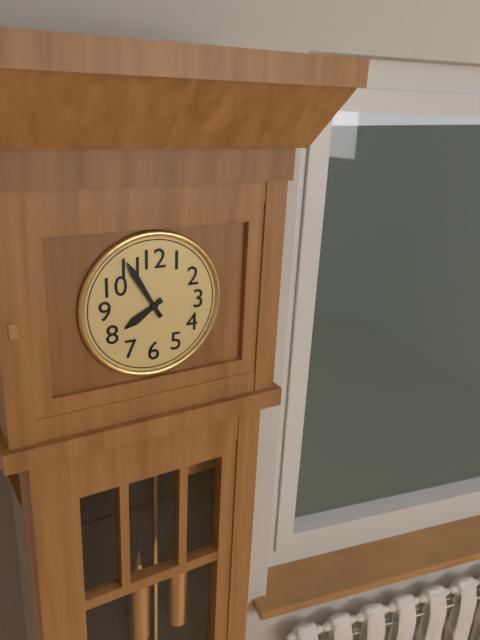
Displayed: 7 h 55 min
